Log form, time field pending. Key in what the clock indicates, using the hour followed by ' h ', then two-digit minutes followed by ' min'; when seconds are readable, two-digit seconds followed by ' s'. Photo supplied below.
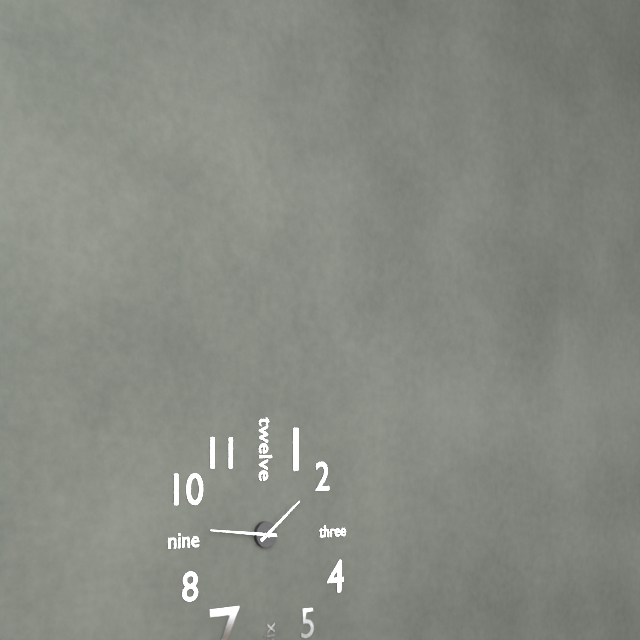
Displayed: 1 h 46 min
